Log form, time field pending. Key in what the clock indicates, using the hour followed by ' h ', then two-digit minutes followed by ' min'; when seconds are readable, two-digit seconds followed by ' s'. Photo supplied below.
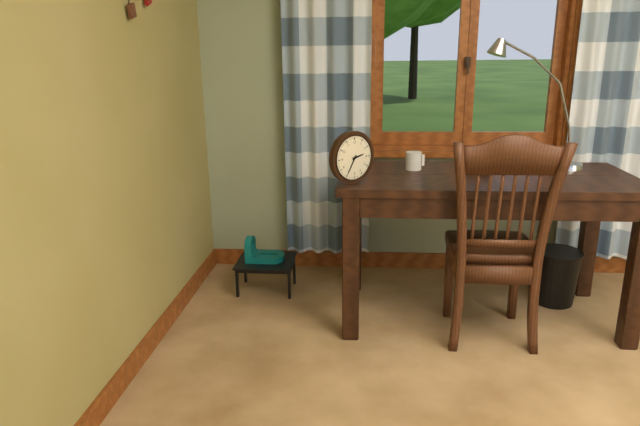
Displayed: 2 h 35 min
